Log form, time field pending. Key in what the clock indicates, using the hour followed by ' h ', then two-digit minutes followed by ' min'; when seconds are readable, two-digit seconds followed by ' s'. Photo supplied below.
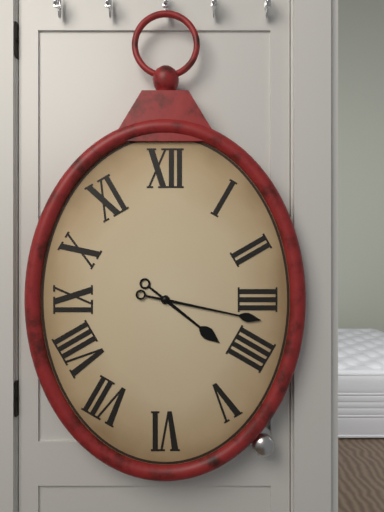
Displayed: 4 h 17 min
